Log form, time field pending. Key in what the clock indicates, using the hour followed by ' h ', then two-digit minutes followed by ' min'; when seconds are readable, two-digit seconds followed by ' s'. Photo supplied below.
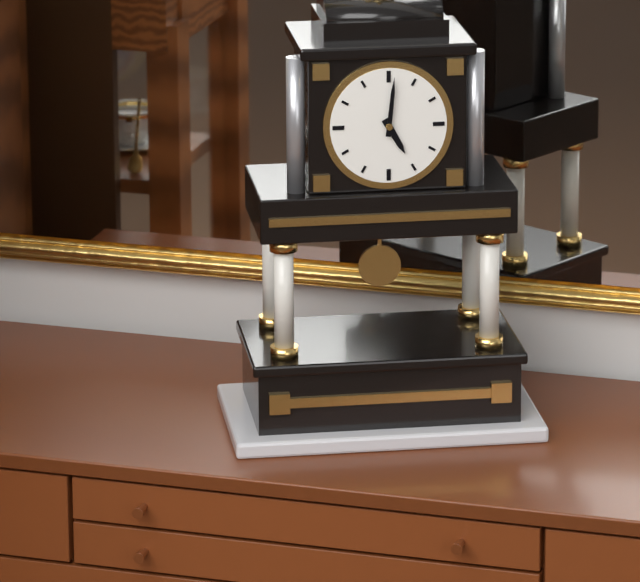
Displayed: 5 h 01 min
